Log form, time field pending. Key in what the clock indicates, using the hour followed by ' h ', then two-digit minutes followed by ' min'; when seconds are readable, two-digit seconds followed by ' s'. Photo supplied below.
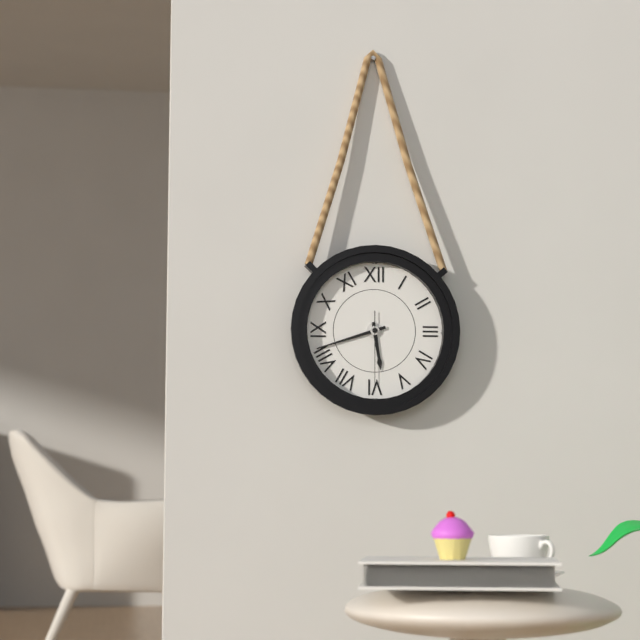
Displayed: 5 h 42 min 30 s
